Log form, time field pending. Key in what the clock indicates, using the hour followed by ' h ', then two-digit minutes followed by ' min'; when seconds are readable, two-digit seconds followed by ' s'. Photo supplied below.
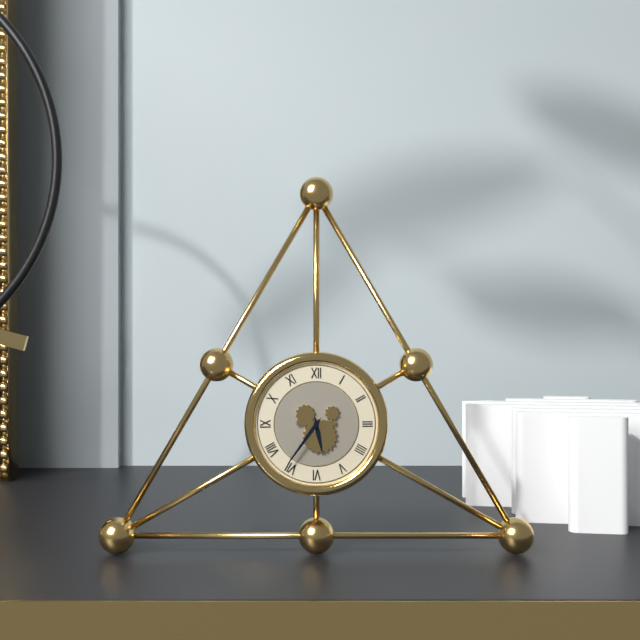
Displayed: 5 h 36 min
